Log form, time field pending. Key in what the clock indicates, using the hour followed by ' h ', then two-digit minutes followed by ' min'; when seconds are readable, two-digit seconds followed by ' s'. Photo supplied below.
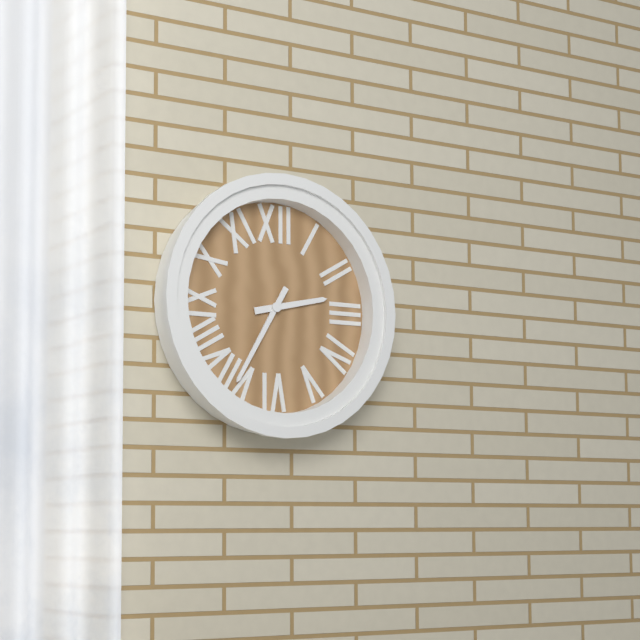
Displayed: 2 h 35 min
